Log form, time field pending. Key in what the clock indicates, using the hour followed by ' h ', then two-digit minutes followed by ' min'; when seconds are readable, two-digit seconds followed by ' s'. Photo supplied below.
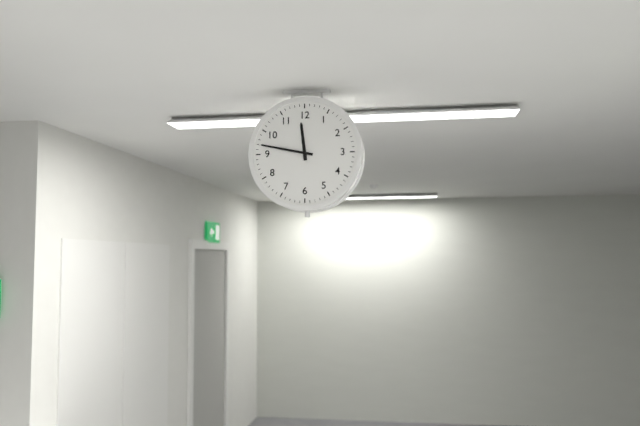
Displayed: 11 h 47 min
